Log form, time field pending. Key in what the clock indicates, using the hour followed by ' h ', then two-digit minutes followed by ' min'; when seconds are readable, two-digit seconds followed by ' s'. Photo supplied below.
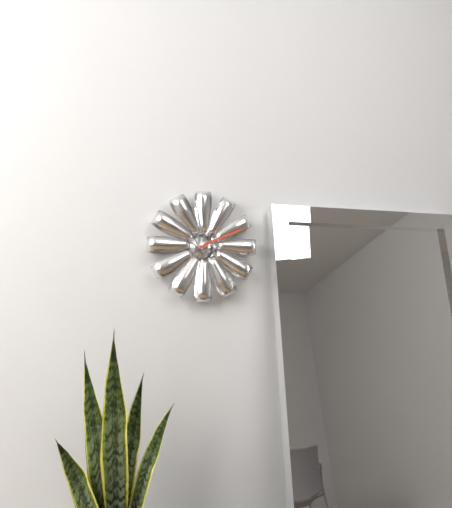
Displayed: 2 h 11 min
